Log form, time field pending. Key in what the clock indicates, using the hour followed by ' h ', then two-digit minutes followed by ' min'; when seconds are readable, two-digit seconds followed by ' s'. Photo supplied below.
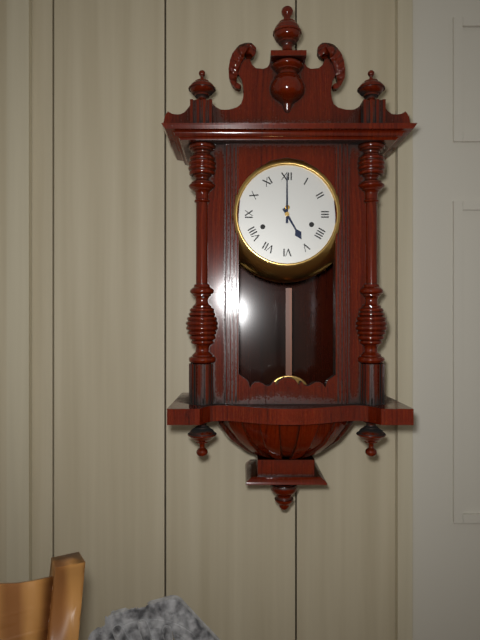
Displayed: 5 h 00 min
